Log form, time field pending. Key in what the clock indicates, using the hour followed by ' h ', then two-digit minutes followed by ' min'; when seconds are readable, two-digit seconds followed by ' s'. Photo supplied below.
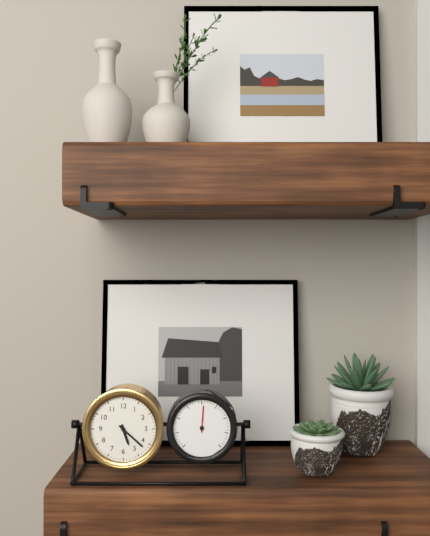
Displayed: 5 h 22 min
